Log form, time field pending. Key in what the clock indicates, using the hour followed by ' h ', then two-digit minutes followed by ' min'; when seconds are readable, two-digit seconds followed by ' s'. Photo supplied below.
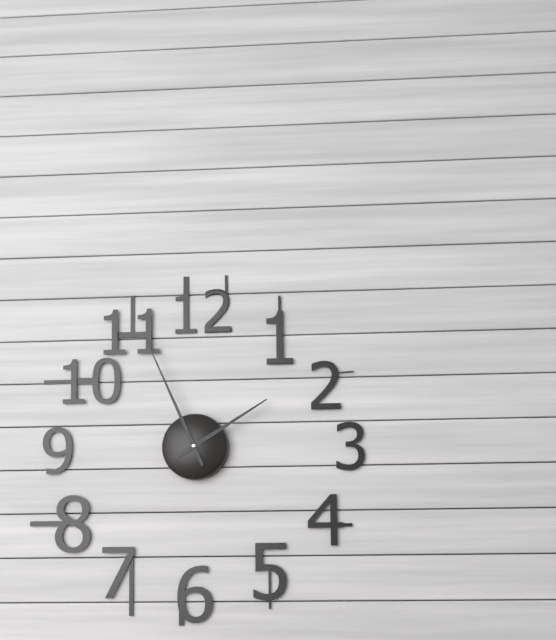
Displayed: 1 h 56 min
